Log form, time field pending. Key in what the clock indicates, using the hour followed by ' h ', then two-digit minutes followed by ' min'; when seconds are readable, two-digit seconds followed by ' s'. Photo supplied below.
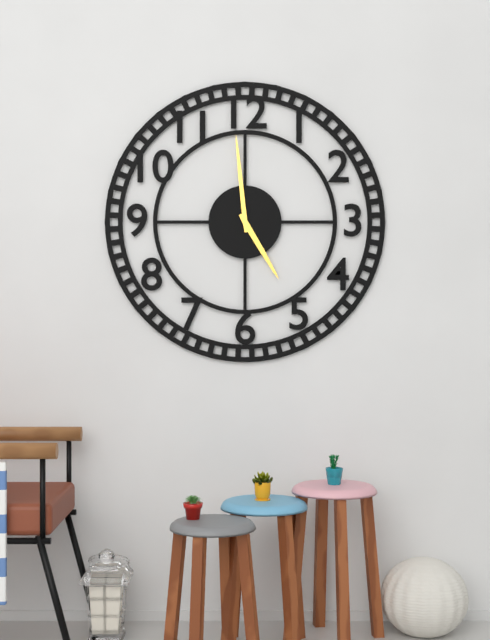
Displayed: 4 h 59 min
